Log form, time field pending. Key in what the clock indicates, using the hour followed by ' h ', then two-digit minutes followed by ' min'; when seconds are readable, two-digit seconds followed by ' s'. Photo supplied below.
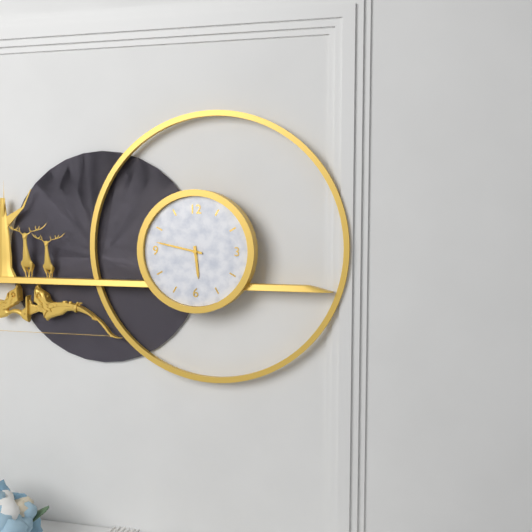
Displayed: 5 h 47 min
